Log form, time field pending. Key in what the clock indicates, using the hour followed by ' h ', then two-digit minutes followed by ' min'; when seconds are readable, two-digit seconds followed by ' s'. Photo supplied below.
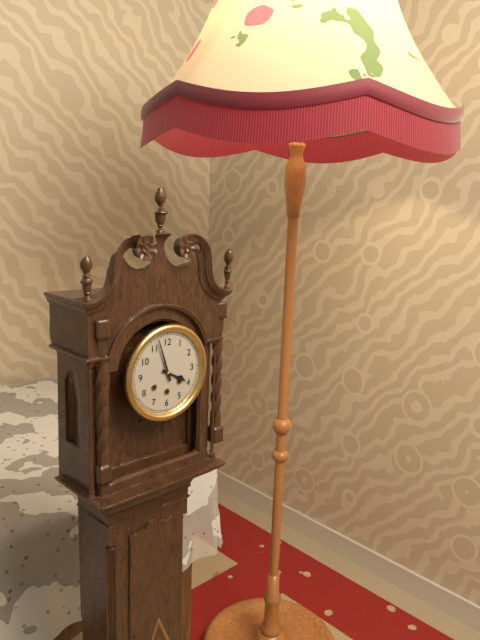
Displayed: 3 h 57 min
